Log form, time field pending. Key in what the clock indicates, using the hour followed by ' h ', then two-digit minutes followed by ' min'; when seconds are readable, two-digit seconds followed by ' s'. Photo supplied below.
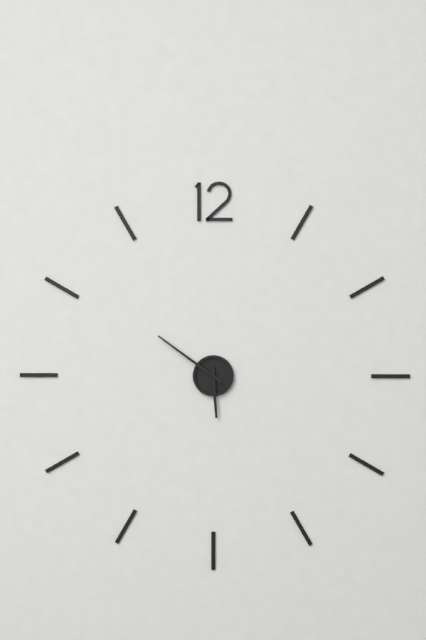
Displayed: 5 h 51 min
